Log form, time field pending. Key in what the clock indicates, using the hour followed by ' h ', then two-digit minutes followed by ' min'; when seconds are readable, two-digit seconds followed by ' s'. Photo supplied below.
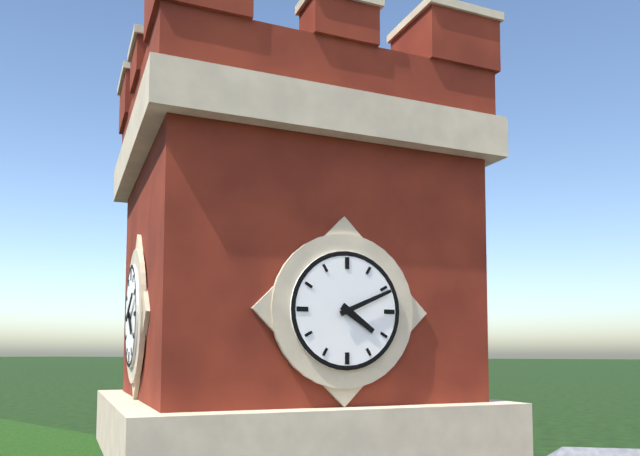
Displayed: 4 h 11 min
